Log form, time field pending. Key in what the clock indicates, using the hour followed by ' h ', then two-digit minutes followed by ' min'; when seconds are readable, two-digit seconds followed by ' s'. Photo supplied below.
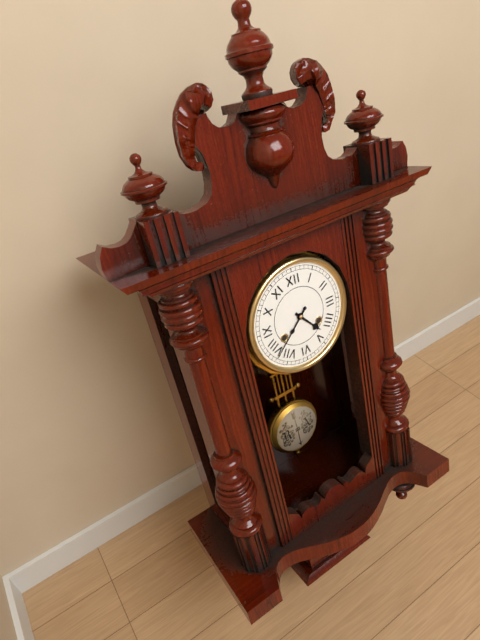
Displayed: 4 h 38 min
